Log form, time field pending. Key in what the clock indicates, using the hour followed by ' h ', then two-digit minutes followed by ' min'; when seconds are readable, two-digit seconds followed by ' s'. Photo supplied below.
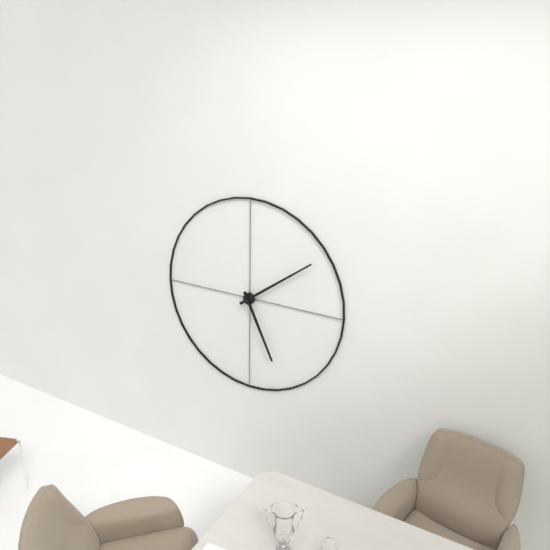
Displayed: 5 h 09 min
